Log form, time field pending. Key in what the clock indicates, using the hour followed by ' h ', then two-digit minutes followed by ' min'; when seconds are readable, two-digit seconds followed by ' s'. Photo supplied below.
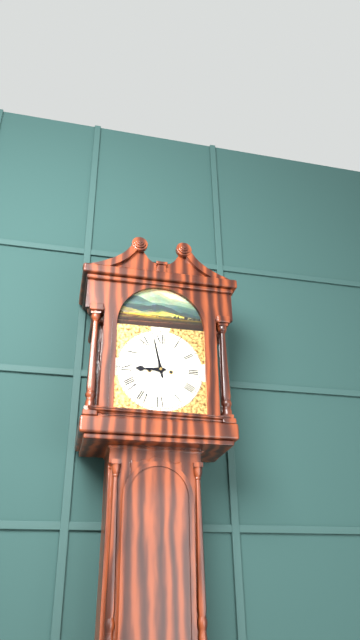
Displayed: 8 h 58 min
